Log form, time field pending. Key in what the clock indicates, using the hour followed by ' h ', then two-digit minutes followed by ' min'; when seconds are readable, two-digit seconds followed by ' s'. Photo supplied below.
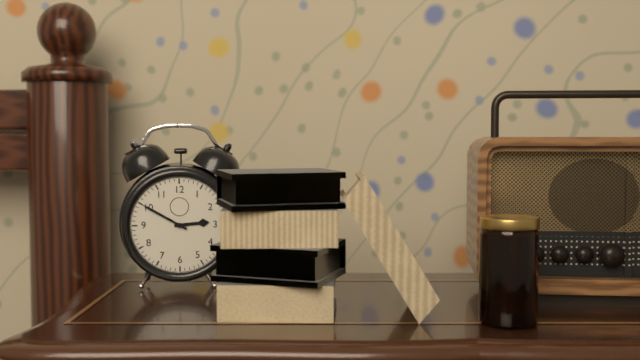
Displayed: 2 h 50 min
